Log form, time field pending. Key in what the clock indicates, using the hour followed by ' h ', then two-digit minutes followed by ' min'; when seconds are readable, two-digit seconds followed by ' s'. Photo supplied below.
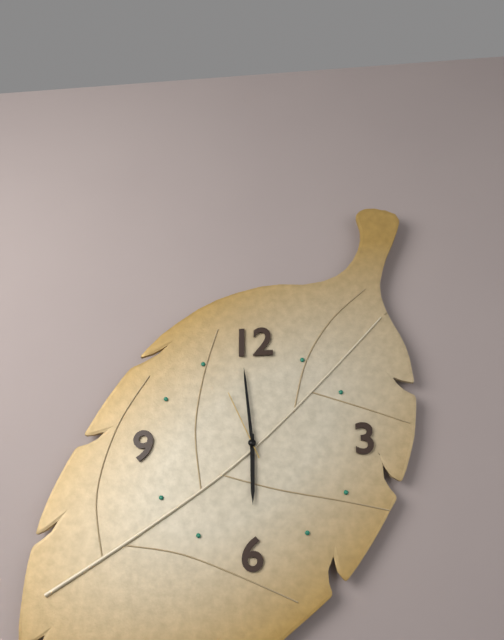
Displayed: 5 h 59 min 56 s
